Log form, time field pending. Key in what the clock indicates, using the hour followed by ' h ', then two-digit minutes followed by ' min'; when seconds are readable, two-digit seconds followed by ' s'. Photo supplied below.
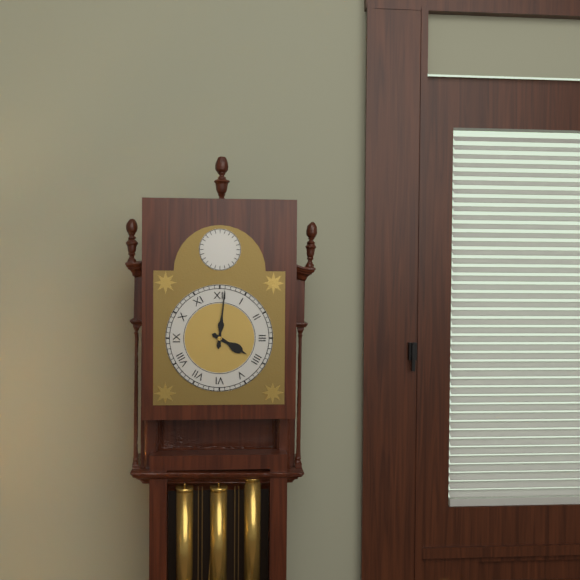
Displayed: 4 h 01 min
